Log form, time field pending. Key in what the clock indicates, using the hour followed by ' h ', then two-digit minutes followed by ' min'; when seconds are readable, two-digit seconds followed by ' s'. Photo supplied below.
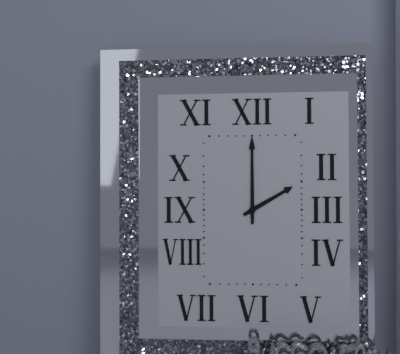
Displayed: 2 h 00 min
